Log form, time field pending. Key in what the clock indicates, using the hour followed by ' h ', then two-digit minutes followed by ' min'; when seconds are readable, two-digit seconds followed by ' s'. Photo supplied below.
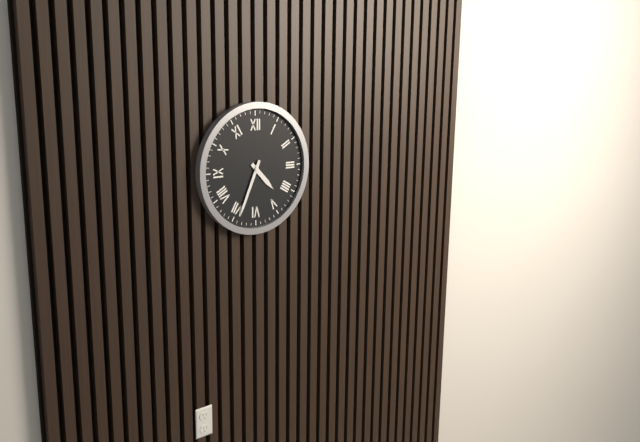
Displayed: 4 h 34 min
